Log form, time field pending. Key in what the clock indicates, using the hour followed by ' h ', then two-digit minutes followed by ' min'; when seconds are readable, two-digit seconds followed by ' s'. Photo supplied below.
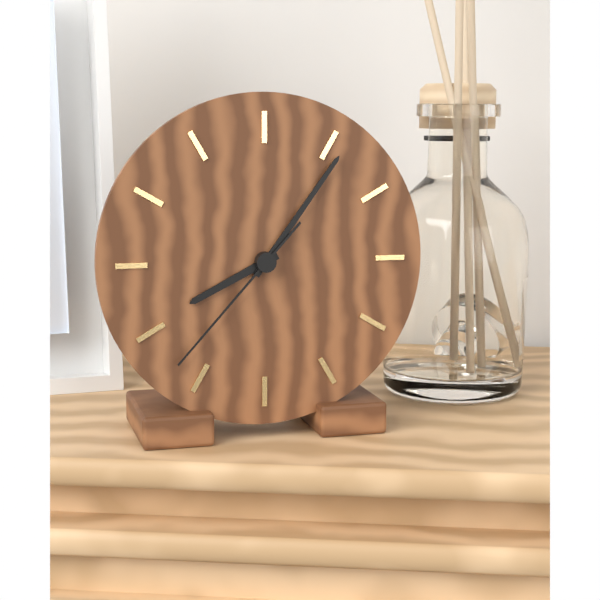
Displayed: 8 h 06 min 37 s
